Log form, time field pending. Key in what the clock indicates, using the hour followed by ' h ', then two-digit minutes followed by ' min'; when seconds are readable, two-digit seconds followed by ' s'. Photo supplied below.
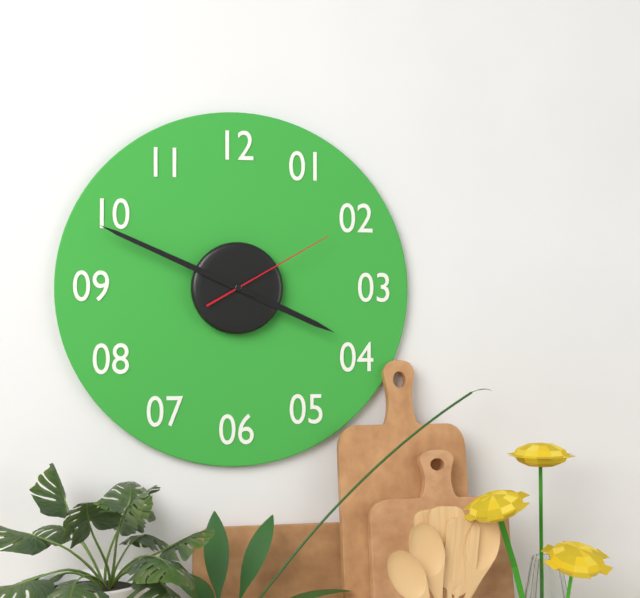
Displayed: 3 h 49 min 10 s
